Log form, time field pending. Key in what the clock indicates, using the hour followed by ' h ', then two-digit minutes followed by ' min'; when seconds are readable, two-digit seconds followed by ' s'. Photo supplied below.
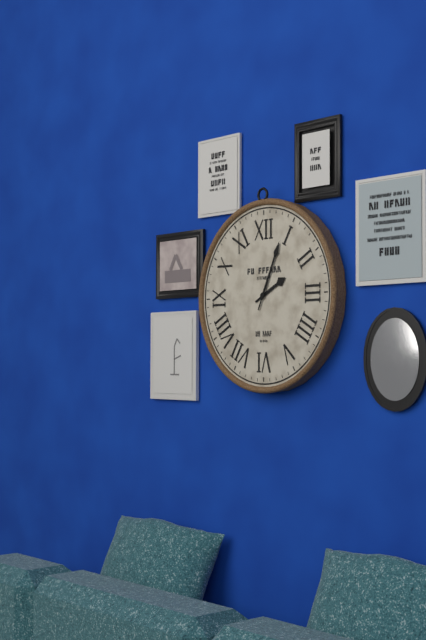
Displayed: 2 h 04 min
